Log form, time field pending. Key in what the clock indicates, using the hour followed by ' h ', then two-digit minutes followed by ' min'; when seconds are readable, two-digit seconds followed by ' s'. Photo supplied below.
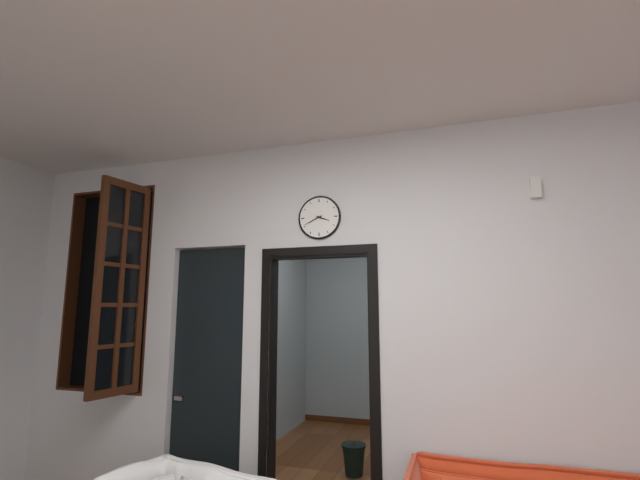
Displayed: 3 h 41 min
